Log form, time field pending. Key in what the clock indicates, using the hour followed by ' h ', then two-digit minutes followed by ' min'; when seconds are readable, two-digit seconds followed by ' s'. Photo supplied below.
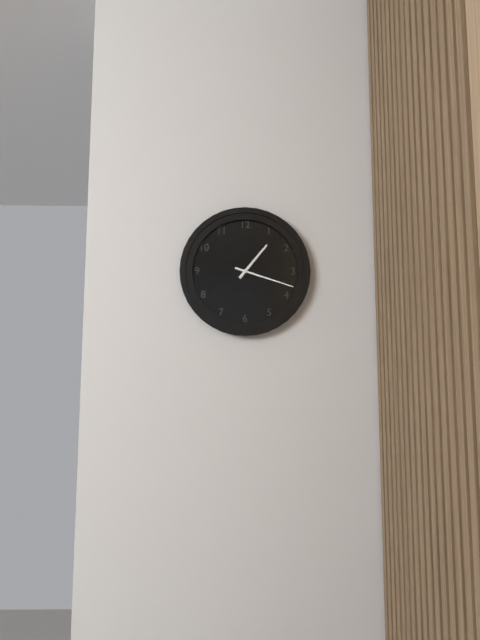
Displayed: 1 h 18 min
